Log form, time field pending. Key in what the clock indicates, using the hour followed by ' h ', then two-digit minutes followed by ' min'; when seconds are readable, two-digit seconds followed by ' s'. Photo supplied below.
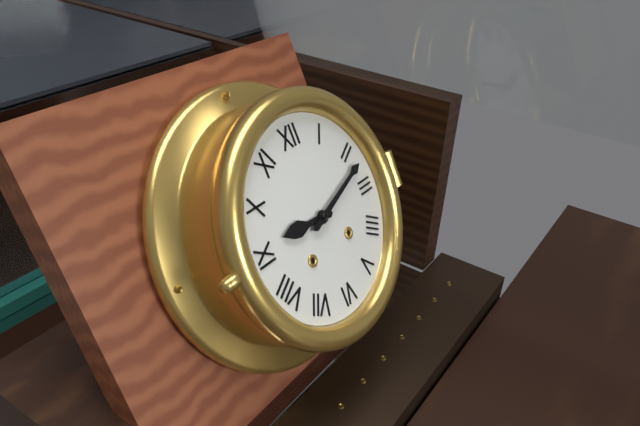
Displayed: 9 h 12 min
